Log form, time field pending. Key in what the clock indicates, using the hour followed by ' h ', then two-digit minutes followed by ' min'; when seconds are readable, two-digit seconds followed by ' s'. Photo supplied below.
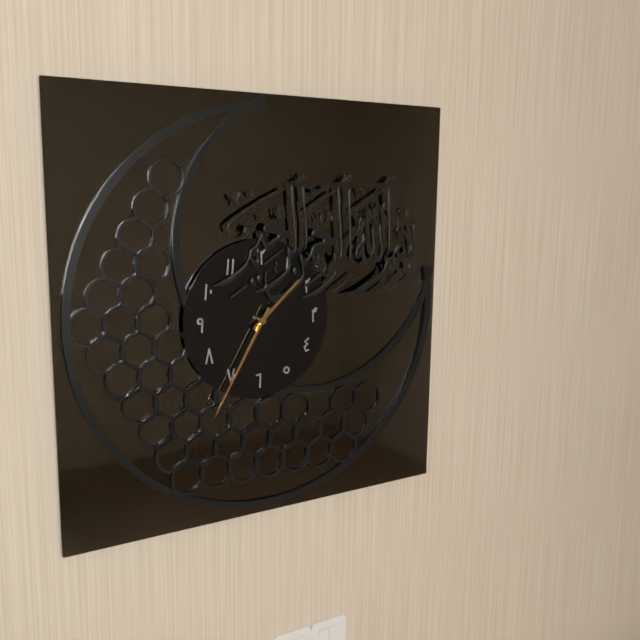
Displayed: 1 h 35 min
